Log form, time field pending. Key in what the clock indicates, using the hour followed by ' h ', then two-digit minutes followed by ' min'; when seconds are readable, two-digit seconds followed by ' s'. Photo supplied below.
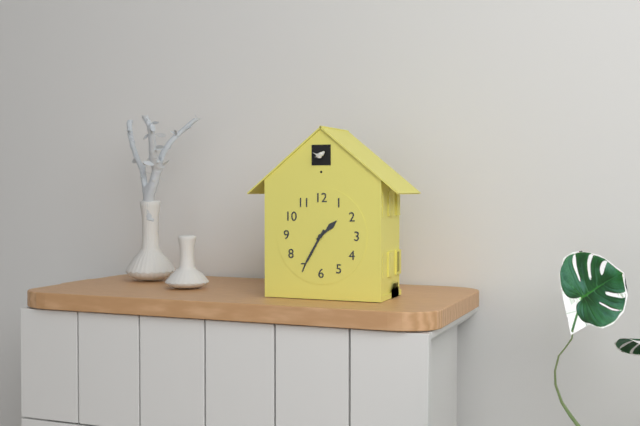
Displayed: 1 h 35 min
